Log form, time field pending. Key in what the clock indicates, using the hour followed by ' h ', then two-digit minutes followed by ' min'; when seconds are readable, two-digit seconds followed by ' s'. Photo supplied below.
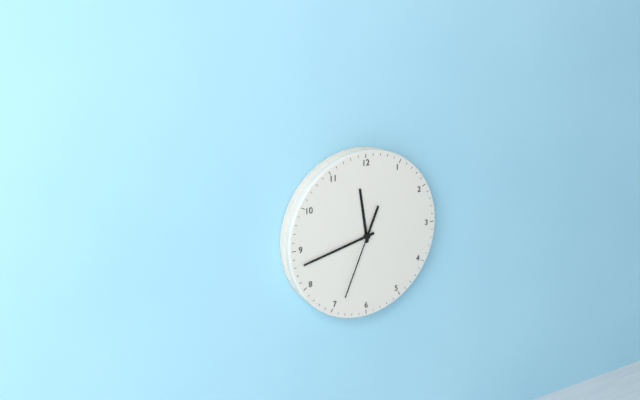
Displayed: 11 h 43 min 34 s
